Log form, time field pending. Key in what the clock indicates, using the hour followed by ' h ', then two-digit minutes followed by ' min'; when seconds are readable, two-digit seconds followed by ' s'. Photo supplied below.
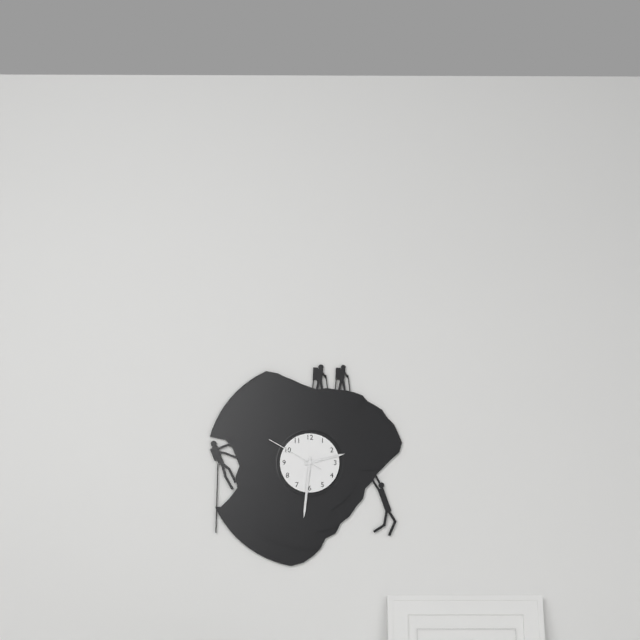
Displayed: 2 h 31 min 50 s
